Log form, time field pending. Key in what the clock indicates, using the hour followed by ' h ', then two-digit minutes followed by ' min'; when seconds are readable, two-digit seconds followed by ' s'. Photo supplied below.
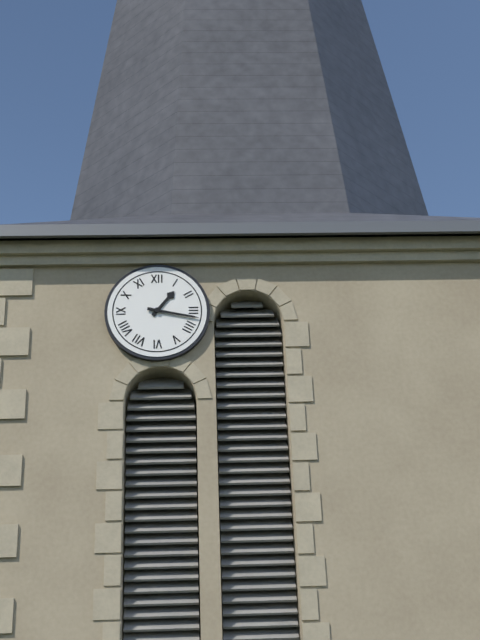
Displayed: 1 h 17 min
